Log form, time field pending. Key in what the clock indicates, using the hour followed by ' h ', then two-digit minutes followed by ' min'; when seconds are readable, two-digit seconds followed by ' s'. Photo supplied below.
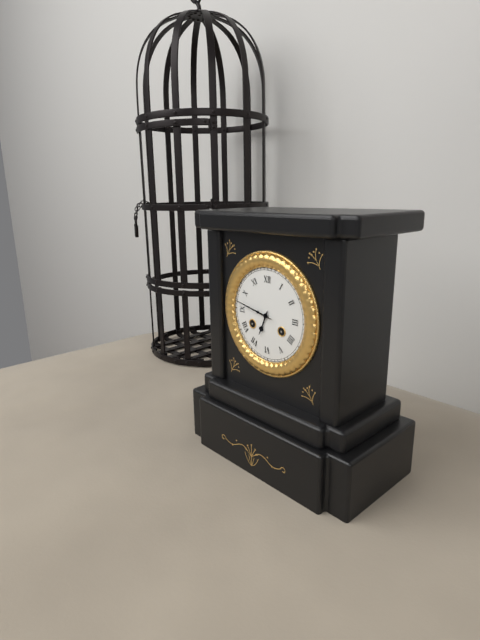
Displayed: 6 h 47 min
